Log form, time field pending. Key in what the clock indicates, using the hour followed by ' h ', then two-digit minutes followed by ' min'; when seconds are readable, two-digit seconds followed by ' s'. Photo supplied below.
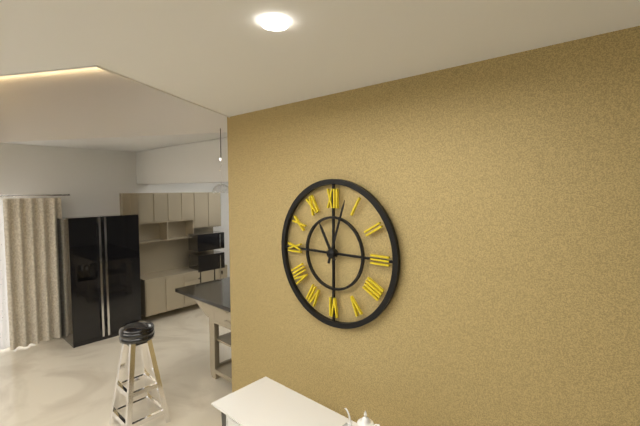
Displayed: 11 h 03 min
